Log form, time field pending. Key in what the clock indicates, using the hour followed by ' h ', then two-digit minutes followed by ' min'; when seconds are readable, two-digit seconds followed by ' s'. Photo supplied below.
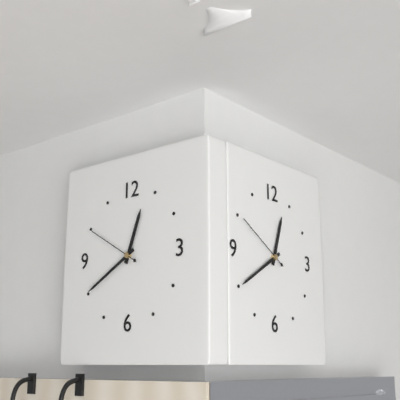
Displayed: 12 h 40 min 50 s
